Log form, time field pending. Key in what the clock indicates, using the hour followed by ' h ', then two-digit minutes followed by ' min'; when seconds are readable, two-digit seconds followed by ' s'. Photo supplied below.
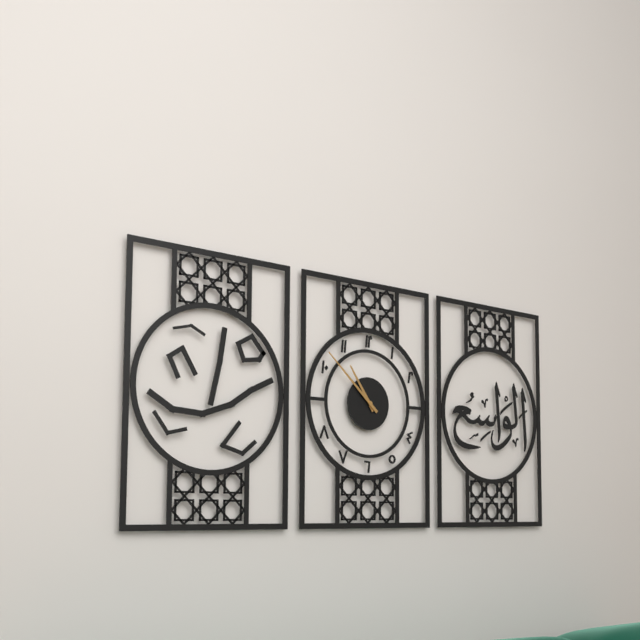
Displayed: 10 h 52 min
